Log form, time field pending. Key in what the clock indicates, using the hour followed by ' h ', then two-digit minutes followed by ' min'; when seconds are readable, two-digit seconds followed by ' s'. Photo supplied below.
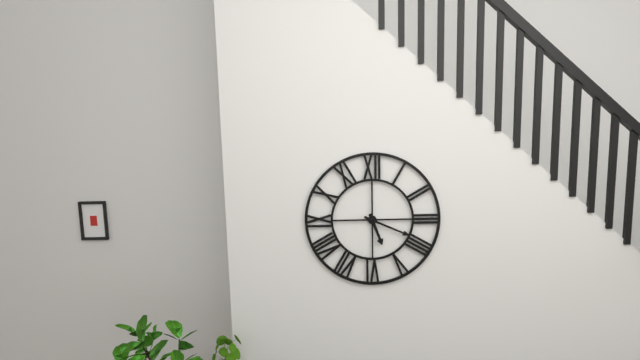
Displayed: 5 h 19 min
